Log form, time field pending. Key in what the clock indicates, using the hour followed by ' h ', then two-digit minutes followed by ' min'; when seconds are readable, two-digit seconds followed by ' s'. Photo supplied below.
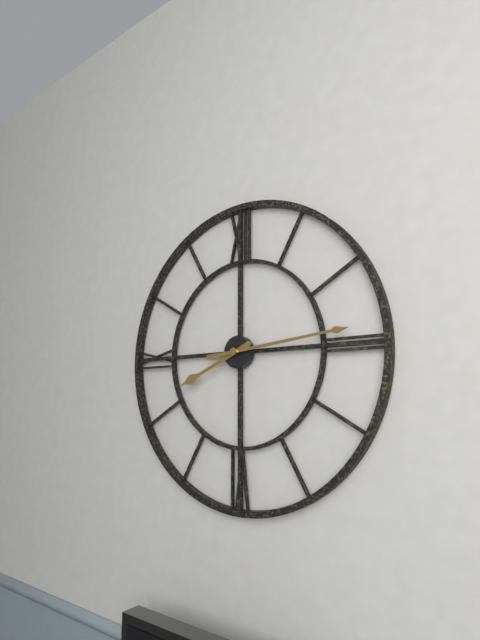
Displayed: 8 h 14 min
